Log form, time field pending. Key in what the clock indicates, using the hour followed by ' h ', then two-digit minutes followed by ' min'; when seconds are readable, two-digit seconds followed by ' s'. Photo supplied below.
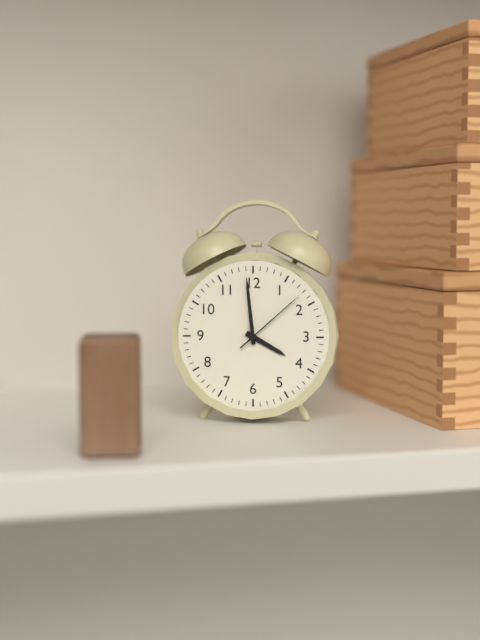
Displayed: 3 h 59 min 08 s
